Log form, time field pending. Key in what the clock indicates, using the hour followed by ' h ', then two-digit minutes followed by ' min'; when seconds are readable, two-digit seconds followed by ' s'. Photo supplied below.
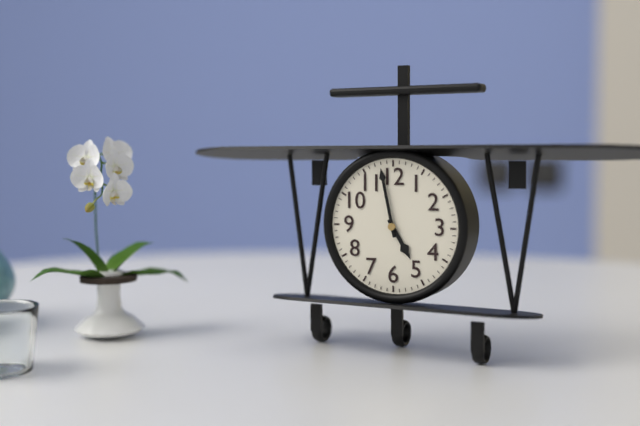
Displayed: 4 h 58 min
